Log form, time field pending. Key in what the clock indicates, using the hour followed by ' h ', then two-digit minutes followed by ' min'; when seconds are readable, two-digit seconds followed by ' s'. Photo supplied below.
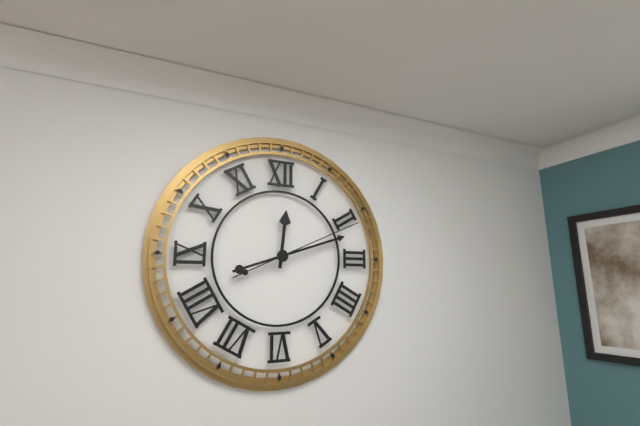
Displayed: 12 h 12 min 11 s
